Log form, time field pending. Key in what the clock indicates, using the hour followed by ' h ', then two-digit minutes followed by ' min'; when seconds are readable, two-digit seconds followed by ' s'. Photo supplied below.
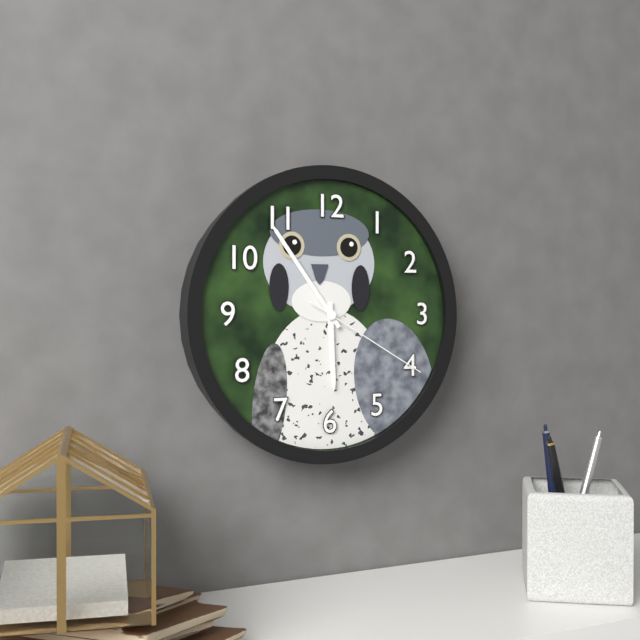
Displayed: 5 h 54 min 20 s
